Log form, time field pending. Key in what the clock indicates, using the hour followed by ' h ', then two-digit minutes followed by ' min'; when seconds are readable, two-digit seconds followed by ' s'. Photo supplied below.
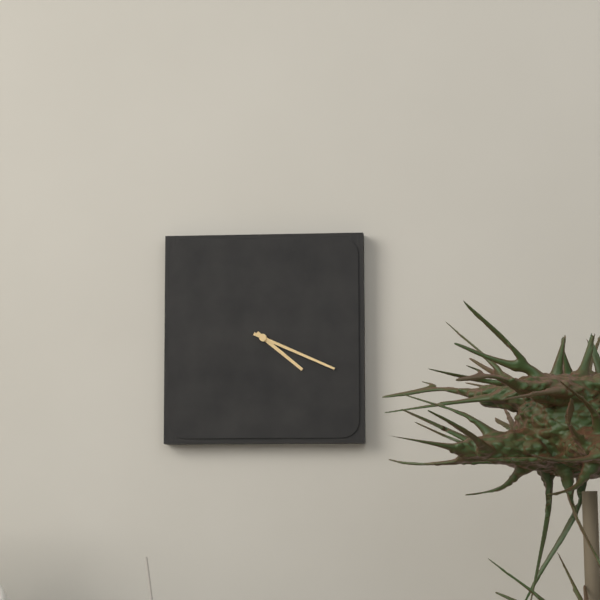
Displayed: 4 h 19 min
